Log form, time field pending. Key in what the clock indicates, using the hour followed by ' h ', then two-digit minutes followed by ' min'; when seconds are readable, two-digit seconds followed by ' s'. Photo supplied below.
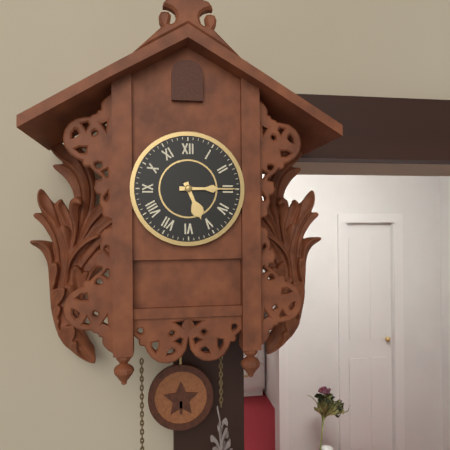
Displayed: 5 h 15 min
